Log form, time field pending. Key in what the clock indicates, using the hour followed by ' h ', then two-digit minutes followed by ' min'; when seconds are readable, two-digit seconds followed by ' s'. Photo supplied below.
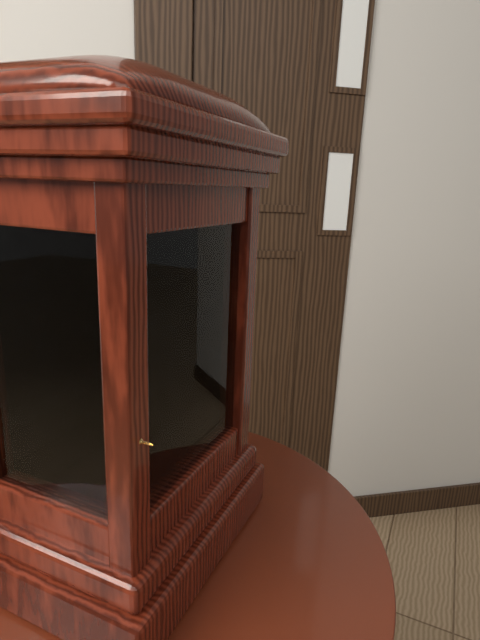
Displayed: 11 h 54 min
